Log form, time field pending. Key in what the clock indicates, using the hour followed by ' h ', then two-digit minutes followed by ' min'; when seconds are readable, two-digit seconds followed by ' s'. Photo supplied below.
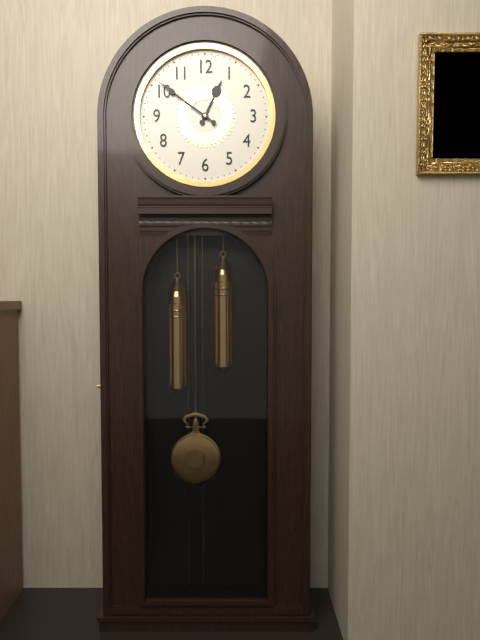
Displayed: 12 h 51 min
